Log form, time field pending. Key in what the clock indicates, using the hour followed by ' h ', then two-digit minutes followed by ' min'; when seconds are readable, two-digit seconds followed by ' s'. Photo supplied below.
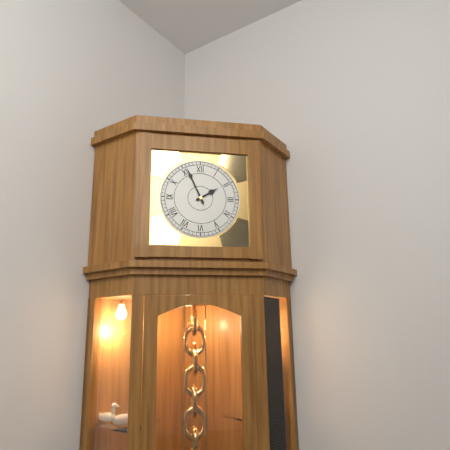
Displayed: 1 h 56 min
